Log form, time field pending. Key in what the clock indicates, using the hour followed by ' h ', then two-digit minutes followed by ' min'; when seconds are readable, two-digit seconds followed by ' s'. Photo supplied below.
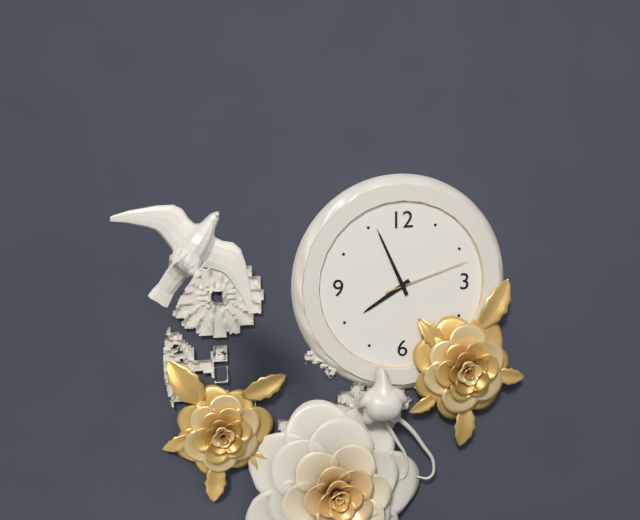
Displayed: 7 h 56 min 12 s
